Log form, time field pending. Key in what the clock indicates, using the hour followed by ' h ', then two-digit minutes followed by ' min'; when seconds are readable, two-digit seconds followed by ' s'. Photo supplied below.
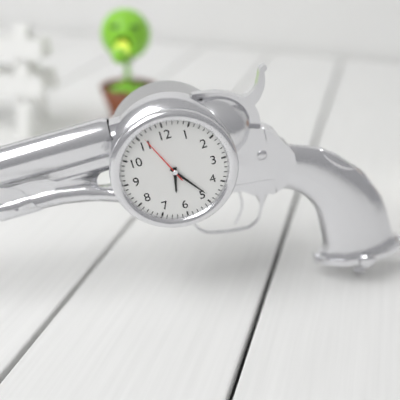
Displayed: 6 h 24 min 56 s
